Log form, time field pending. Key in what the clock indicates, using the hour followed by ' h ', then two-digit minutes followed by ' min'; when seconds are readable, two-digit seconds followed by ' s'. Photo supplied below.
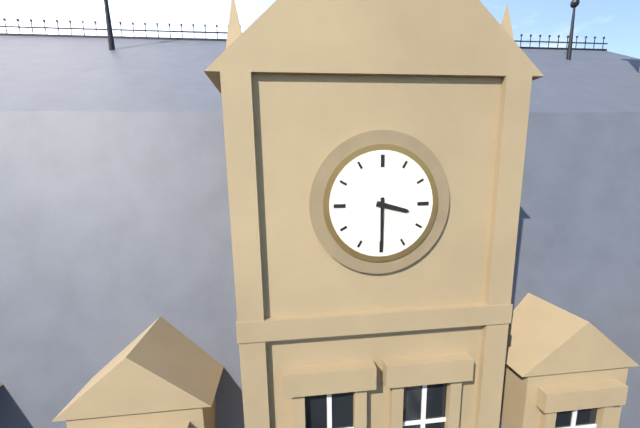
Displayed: 3 h 30 min
